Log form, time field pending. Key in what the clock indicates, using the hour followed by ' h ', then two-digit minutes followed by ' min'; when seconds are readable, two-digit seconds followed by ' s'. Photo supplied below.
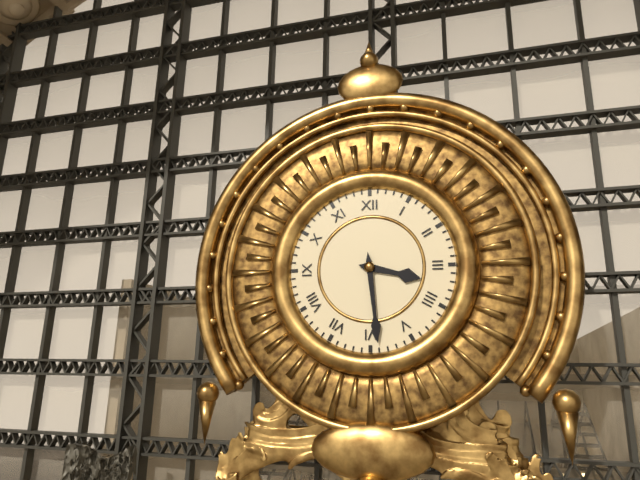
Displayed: 3 h 29 min
